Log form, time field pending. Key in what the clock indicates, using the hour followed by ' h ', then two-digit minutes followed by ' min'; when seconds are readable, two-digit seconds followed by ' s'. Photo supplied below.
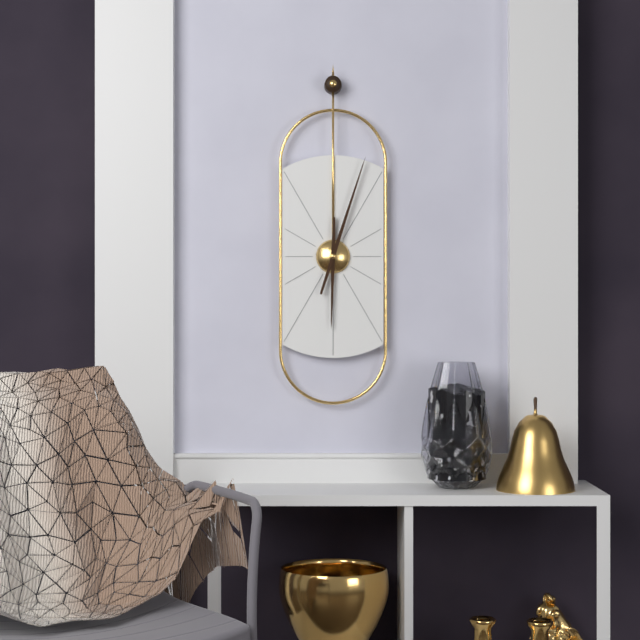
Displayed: 6 h 03 min
